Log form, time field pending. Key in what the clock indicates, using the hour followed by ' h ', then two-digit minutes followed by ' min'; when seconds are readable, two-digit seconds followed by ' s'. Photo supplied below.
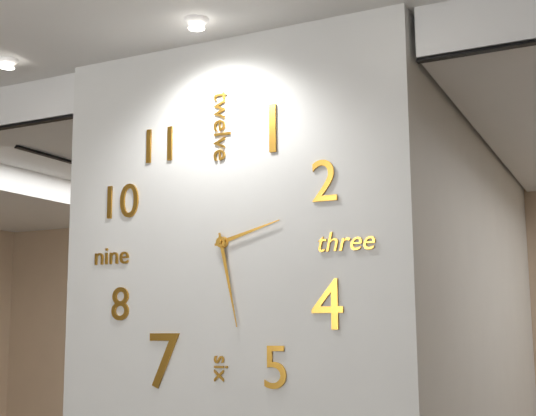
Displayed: 2 h 28 min
